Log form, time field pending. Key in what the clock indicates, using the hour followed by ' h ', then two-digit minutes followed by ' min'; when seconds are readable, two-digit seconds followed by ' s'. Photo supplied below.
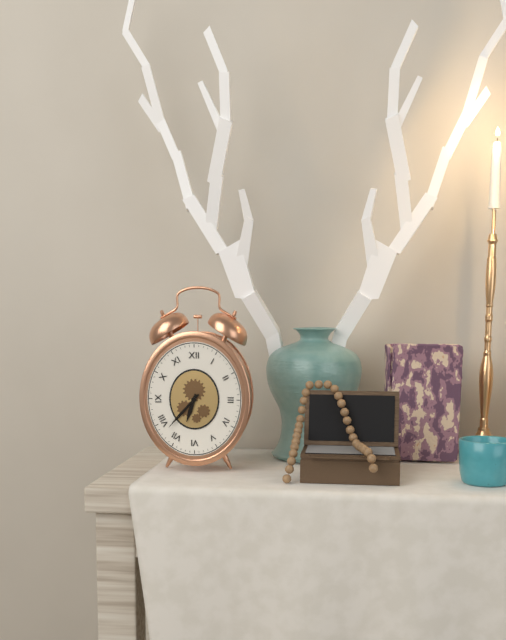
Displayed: 6 h 37 min
